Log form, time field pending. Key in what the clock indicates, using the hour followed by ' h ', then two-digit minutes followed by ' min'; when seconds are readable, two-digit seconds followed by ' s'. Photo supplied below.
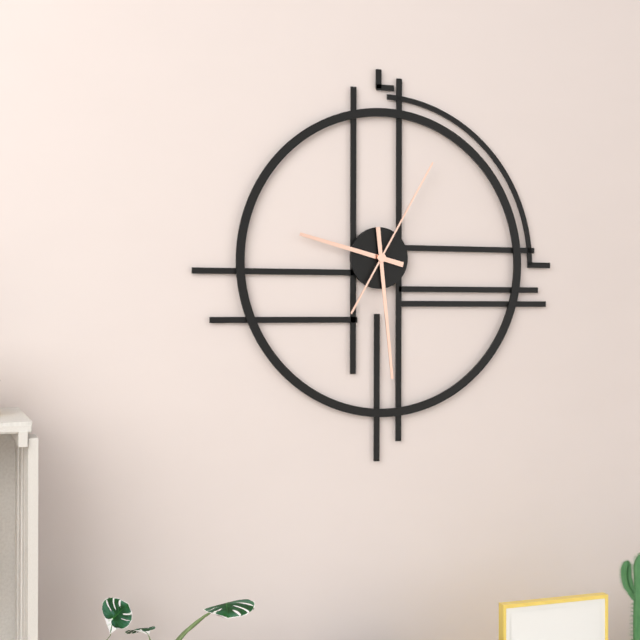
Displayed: 9 h 29 min 05 s
